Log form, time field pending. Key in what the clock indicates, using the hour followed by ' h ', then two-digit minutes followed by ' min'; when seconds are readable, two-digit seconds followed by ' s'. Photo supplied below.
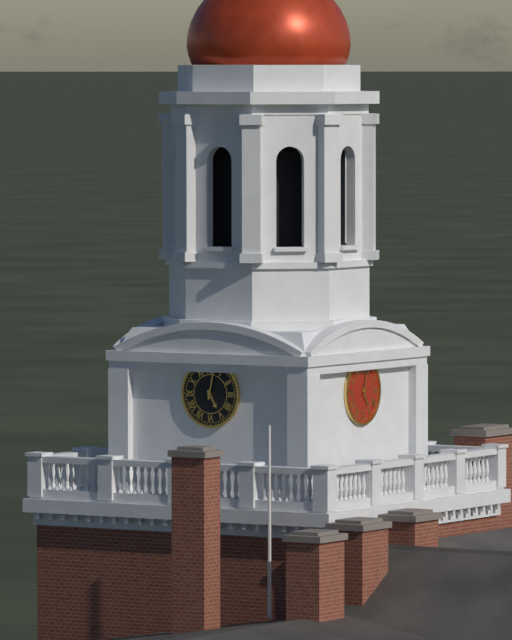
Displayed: 5 h 02 min
